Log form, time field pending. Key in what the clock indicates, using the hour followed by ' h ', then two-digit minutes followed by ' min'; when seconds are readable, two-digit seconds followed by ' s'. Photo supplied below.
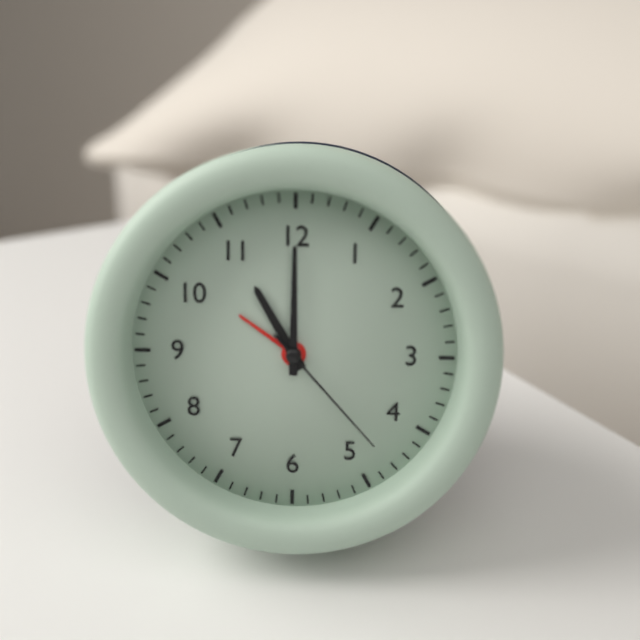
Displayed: 11 h 00 min 23 s
